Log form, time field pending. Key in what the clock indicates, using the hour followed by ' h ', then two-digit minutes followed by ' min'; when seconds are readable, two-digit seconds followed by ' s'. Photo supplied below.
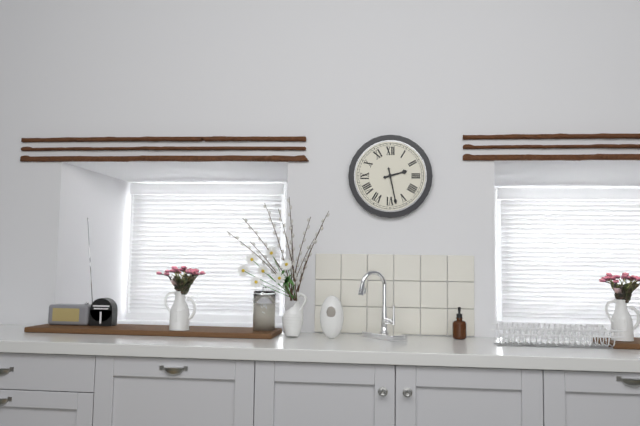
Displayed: 2 h 28 min
